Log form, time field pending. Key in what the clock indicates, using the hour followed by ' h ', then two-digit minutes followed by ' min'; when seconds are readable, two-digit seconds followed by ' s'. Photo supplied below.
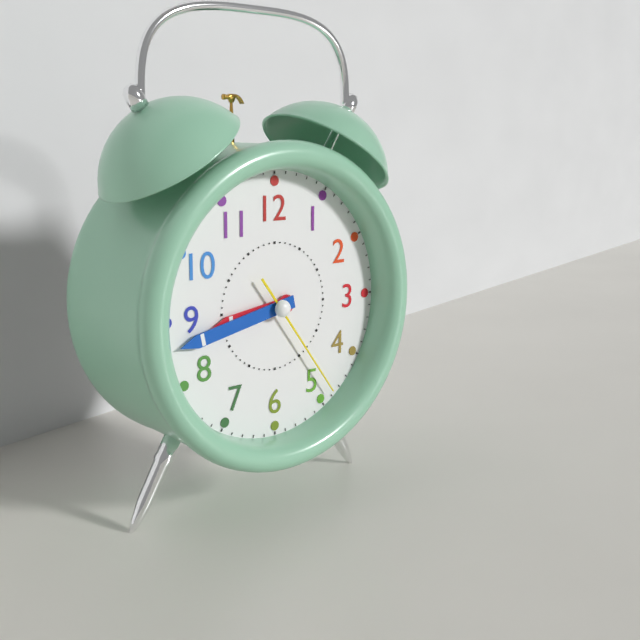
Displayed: 8 h 43 min 24 s
